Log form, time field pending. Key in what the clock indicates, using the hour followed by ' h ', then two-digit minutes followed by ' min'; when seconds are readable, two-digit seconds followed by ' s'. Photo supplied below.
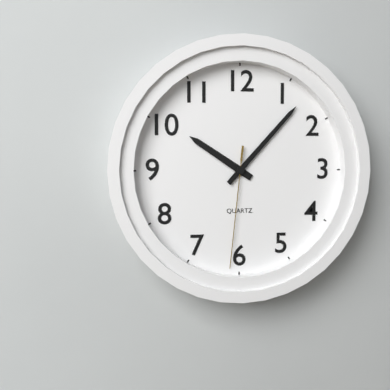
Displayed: 10 h 07 min 31 s
